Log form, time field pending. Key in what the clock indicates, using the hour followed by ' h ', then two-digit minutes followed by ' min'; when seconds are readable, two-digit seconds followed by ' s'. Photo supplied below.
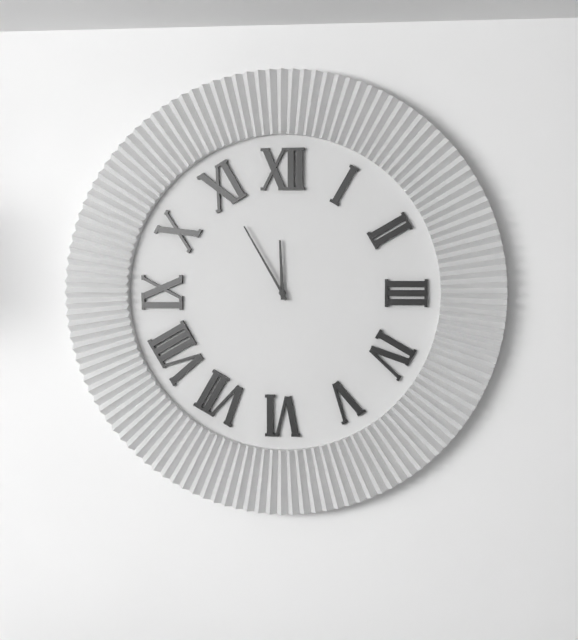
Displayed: 11 h 55 min
